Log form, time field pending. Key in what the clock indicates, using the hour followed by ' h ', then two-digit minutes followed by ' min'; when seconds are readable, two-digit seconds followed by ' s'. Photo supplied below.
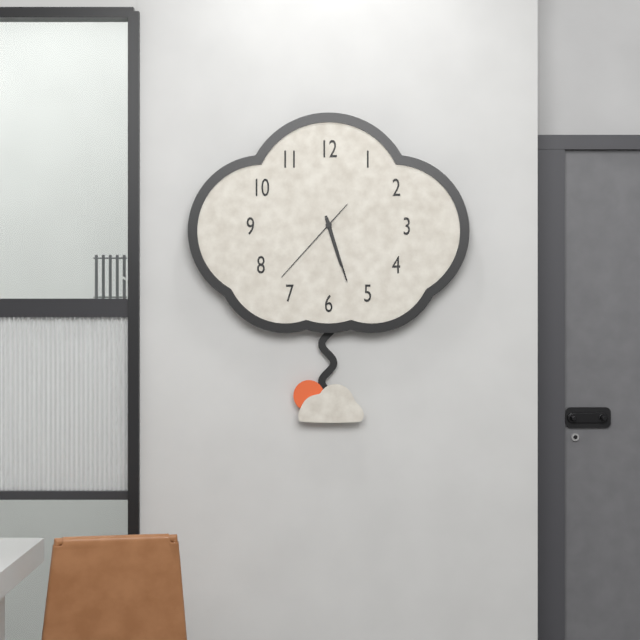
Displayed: 5 h 27 min 37 s
